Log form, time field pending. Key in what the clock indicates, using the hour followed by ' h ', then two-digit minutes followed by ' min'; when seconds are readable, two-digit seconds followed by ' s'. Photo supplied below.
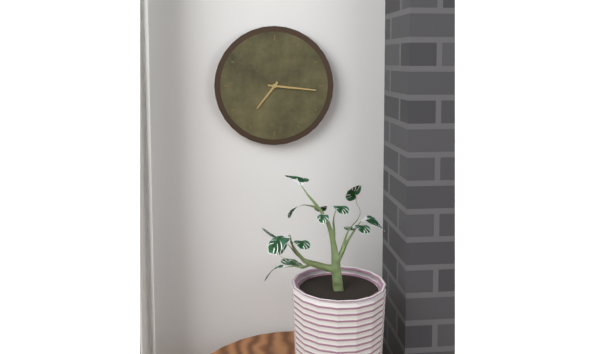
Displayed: 7 h 16 min
